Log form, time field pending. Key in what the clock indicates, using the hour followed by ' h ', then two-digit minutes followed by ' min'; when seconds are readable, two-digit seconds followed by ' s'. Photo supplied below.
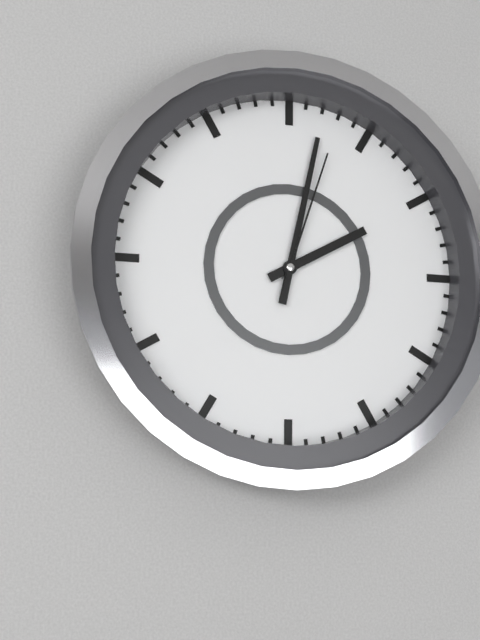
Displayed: 2 h 02 min 03 s
